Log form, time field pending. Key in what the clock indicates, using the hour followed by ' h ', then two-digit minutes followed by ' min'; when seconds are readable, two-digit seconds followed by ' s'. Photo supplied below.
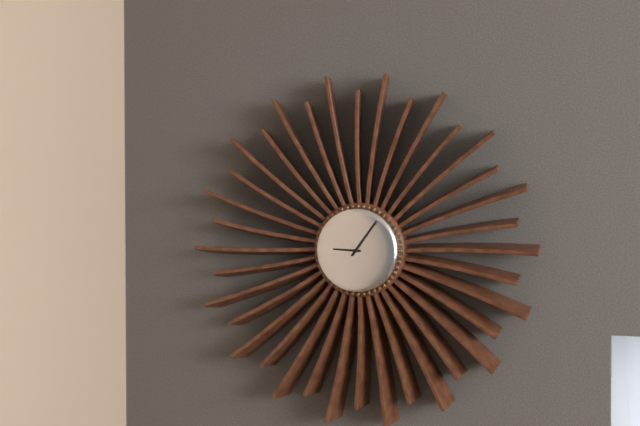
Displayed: 9 h 06 min
